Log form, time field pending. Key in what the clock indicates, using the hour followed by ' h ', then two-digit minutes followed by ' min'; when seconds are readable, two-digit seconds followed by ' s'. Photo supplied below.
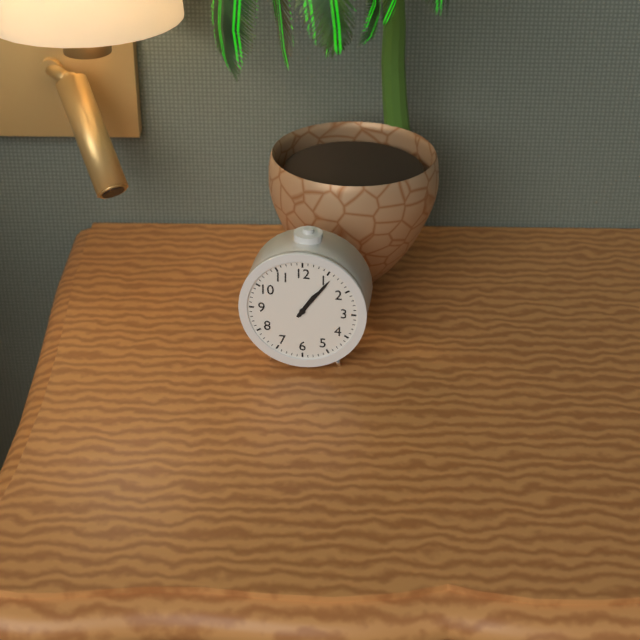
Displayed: 1 h 06 min
